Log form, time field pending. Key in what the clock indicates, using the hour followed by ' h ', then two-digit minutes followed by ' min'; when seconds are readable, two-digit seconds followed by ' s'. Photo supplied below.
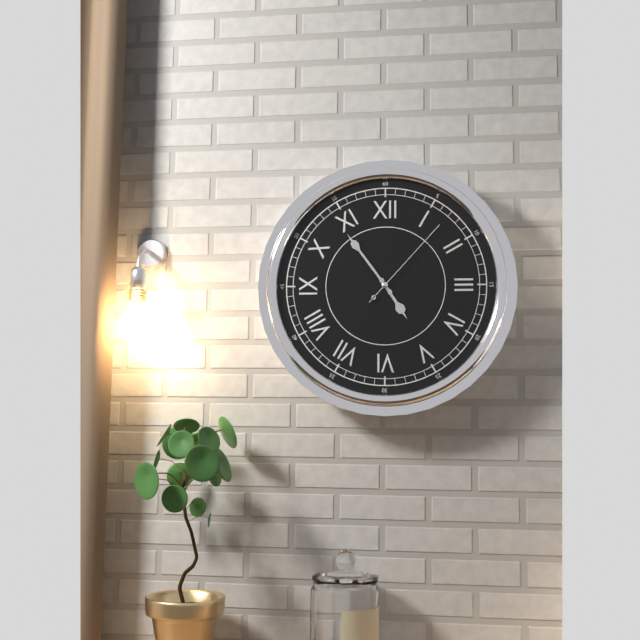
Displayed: 4 h 54 min 07 s
